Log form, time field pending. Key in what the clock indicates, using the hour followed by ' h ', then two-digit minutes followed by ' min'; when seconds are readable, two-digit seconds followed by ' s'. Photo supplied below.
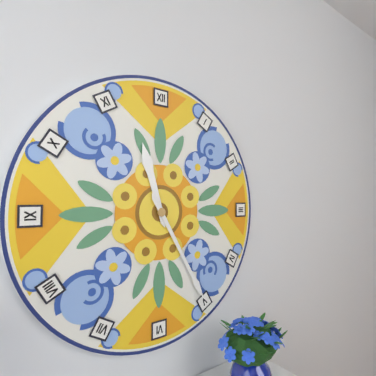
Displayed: 11 h 25 min
